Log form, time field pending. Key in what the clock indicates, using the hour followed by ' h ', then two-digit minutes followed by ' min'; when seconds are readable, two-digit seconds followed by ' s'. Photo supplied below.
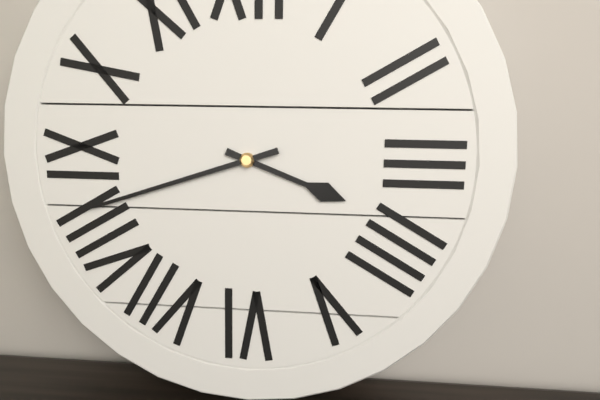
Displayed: 3 h 42 min
